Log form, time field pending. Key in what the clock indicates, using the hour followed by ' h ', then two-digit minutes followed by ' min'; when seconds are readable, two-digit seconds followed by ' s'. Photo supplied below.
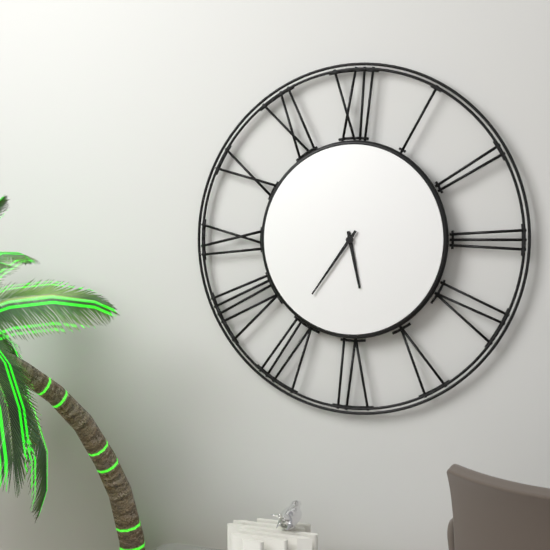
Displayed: 5 h 36 min
